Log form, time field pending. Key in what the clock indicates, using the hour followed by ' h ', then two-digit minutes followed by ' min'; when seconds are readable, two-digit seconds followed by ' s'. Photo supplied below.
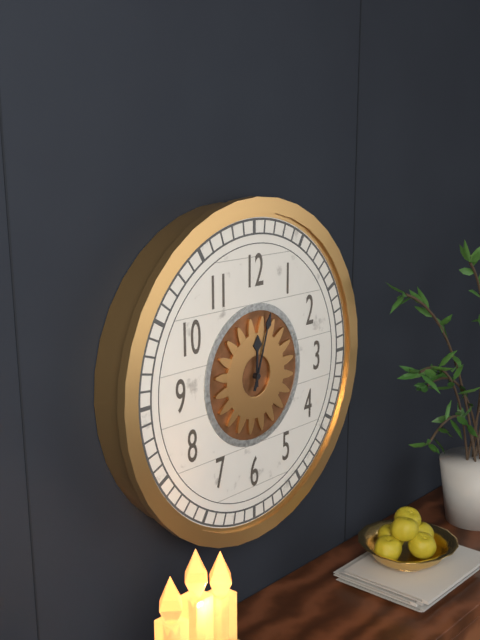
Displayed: 12 h 03 min
